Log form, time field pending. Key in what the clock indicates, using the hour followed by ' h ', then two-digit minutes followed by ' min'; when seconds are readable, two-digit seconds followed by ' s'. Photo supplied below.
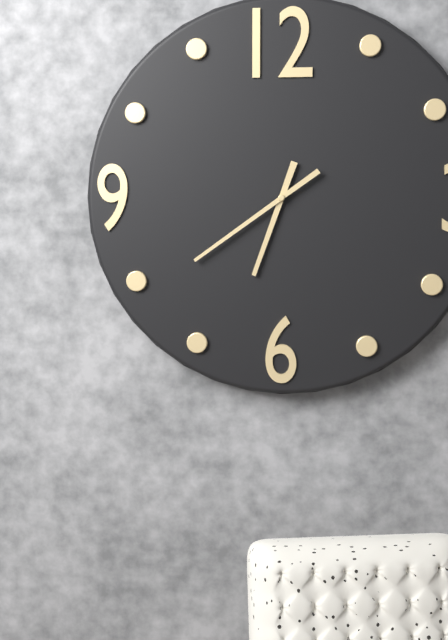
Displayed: 6 h 39 min
